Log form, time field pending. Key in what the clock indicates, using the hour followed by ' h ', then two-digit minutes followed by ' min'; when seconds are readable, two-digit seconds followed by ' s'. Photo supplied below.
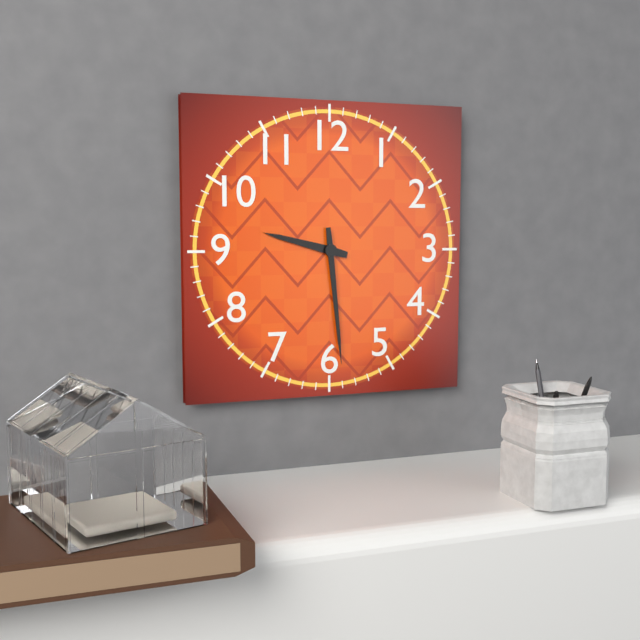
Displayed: 9 h 29 min
